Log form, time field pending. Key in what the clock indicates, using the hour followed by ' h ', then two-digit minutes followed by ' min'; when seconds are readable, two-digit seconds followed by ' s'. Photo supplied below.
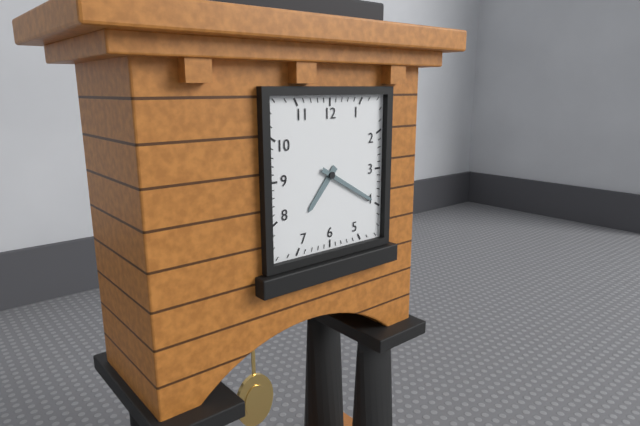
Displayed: 7 h 20 min
